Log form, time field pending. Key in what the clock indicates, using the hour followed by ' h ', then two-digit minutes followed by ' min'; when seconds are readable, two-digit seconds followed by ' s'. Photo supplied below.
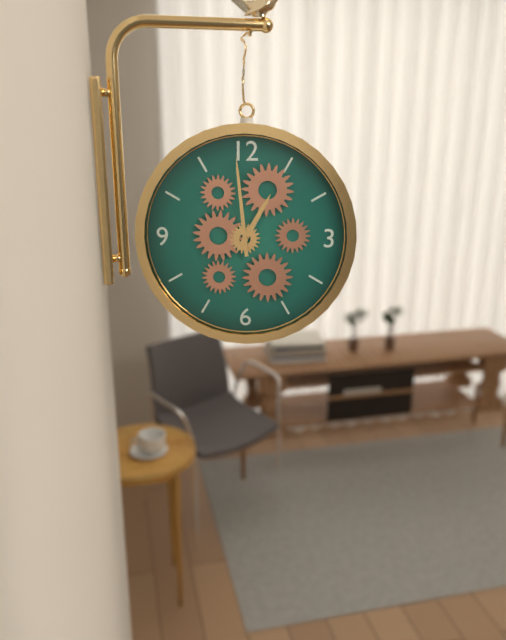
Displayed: 12 h 59 min
